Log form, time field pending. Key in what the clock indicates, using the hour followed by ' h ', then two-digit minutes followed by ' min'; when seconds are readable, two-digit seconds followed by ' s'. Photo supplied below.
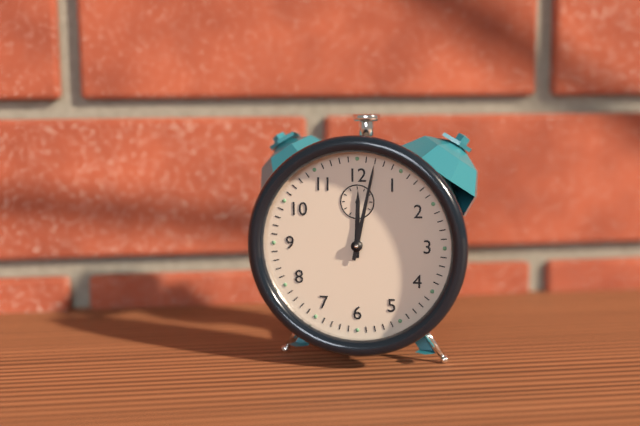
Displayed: 12 h 02 min
